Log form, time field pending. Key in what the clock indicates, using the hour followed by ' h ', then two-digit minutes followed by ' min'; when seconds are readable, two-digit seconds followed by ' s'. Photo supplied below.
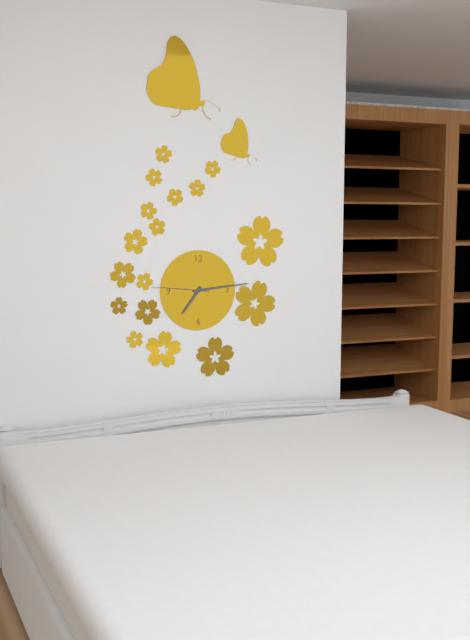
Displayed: 7 h 14 min 46 s
